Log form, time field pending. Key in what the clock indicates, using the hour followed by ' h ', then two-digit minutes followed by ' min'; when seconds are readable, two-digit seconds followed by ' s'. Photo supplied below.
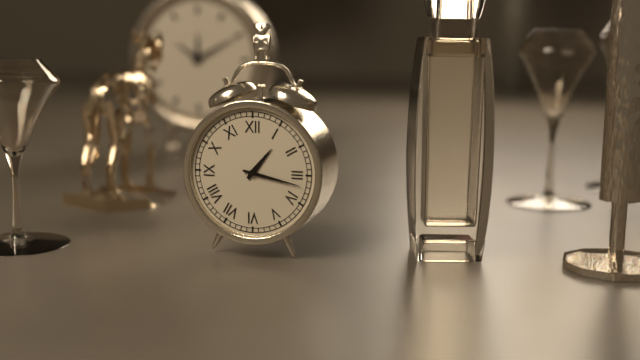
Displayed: 1 h 17 min
